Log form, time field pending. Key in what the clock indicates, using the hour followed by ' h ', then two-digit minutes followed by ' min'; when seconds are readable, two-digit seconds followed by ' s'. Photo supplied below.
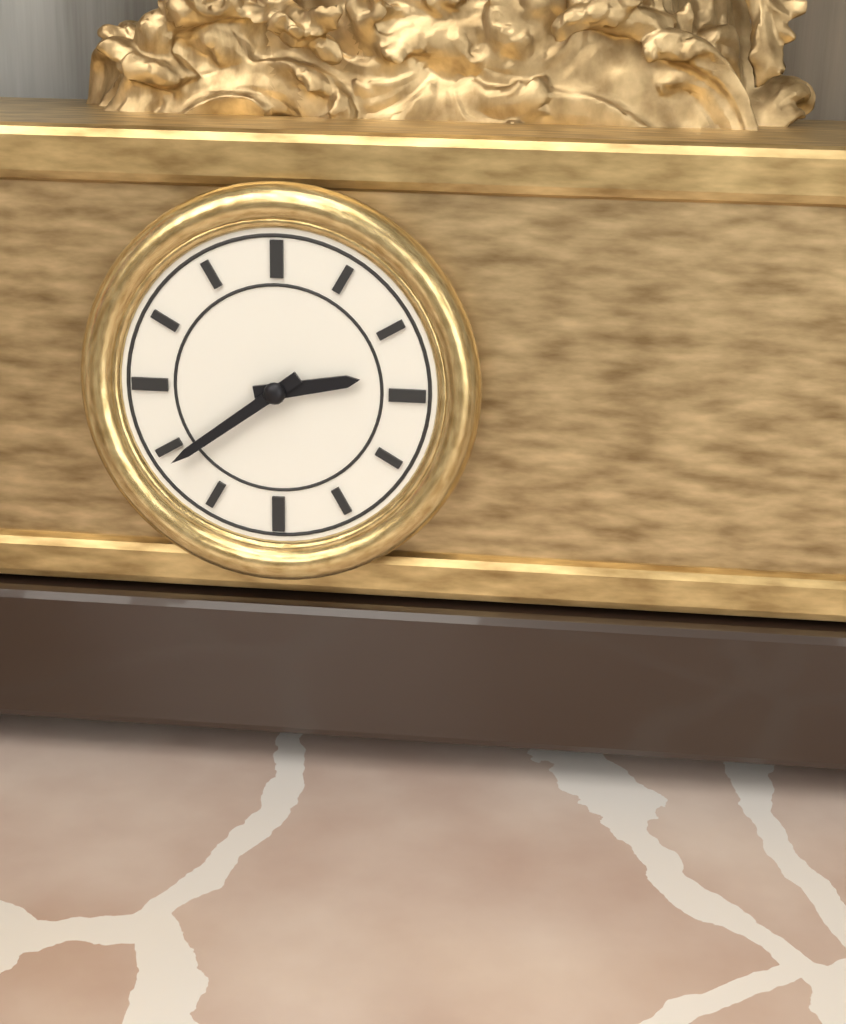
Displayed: 2 h 39 min
